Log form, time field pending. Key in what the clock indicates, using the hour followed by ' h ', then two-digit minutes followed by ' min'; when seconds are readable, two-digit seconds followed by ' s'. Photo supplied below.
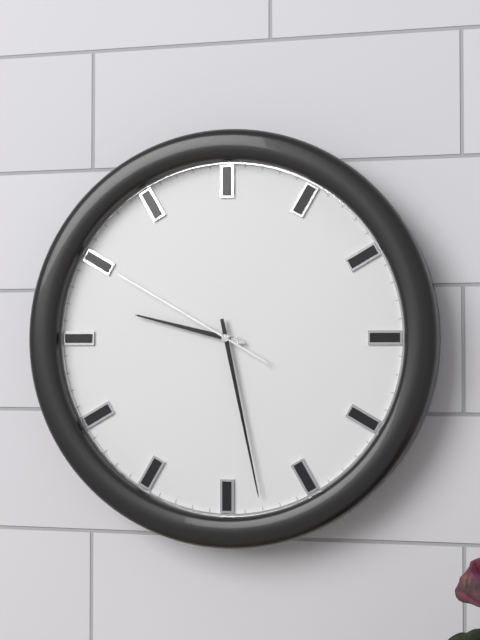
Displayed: 9 h 28 min 50 s
